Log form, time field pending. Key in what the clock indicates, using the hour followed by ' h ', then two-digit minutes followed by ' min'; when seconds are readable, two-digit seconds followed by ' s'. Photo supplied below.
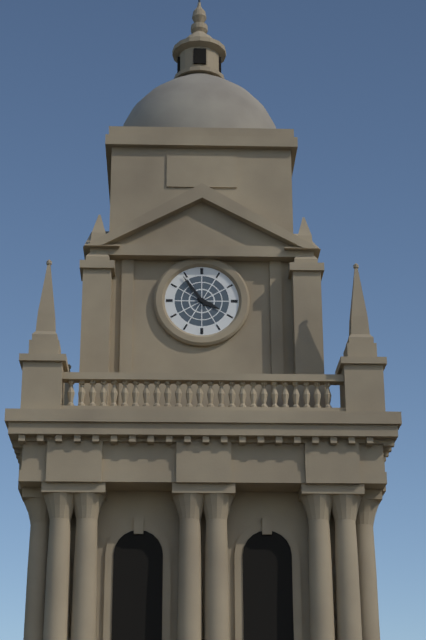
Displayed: 3 h 54 min
